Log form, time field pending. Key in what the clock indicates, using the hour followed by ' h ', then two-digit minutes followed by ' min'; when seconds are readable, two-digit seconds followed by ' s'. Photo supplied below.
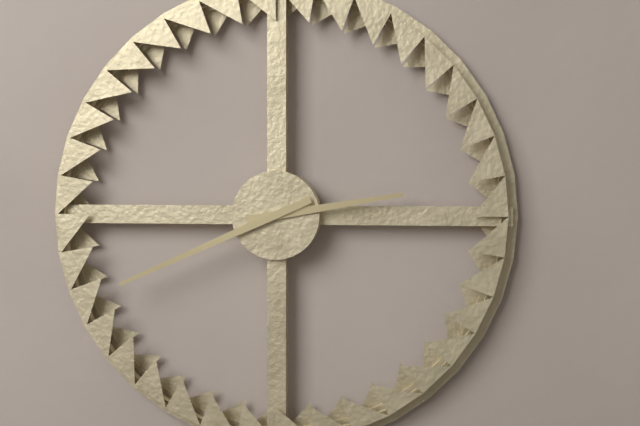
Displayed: 2 h 41 min
